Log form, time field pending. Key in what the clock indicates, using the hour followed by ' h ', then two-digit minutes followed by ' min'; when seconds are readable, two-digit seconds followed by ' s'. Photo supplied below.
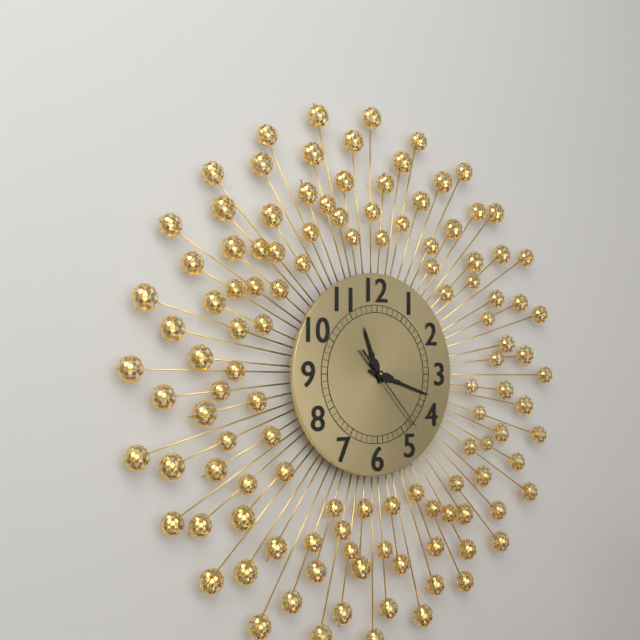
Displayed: 11 h 18 min 23 s
